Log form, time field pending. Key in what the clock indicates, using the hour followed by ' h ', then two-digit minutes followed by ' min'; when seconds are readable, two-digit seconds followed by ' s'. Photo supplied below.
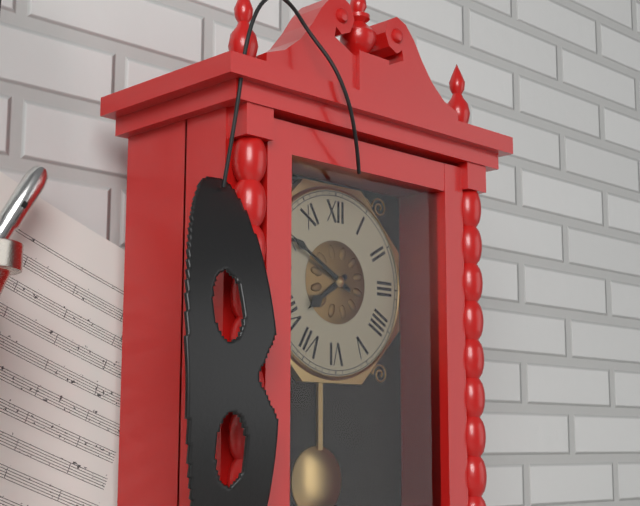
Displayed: 7 h 50 min
